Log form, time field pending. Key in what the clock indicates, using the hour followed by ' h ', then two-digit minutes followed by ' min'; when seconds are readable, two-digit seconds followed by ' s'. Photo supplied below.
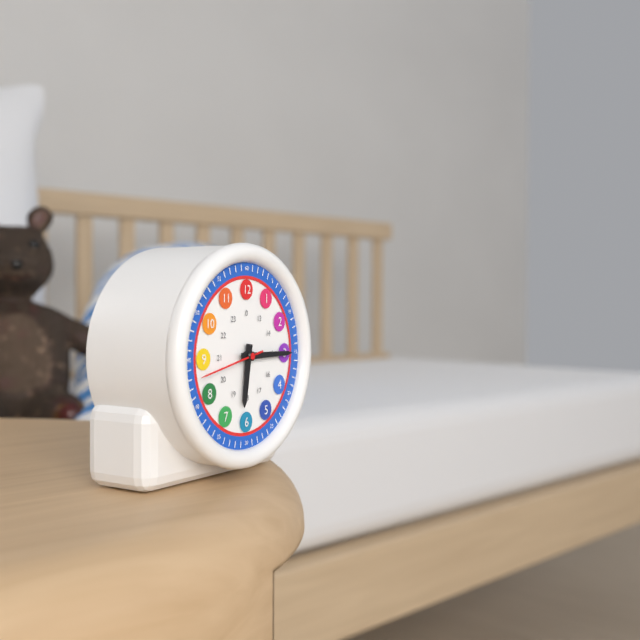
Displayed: 6 h 15 min 43 s
